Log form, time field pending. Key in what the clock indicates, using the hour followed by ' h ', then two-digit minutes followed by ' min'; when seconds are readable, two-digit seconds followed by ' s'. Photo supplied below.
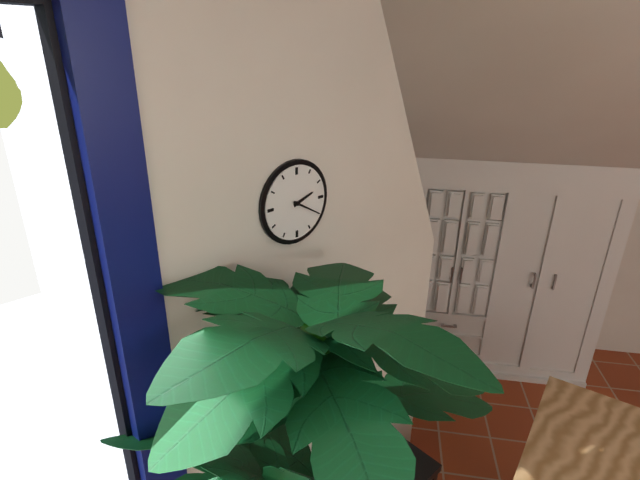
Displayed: 2 h 20 min
